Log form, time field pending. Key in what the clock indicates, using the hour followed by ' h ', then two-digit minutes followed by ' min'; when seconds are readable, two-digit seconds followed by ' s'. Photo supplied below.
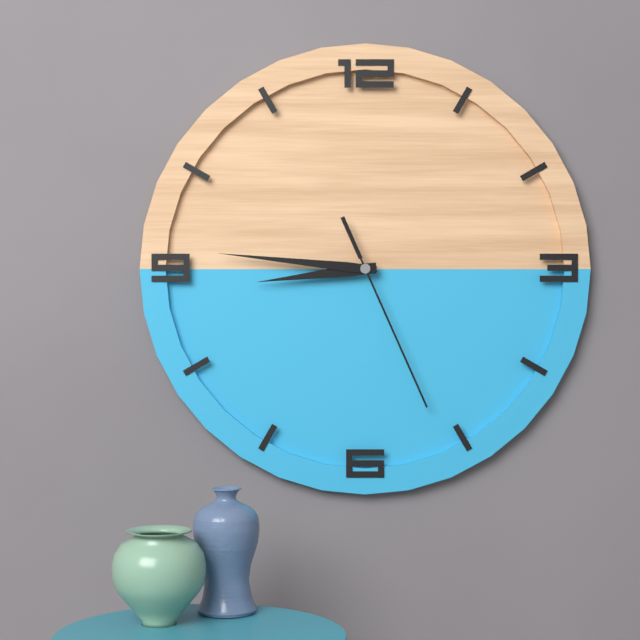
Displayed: 8 h 46 min 26 s
